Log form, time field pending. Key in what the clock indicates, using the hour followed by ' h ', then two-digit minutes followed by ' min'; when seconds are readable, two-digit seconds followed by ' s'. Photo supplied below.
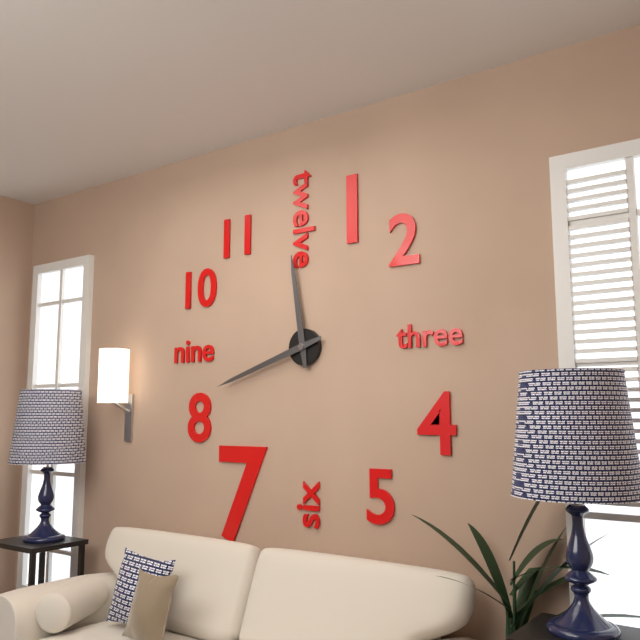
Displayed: 11 h 42 min
